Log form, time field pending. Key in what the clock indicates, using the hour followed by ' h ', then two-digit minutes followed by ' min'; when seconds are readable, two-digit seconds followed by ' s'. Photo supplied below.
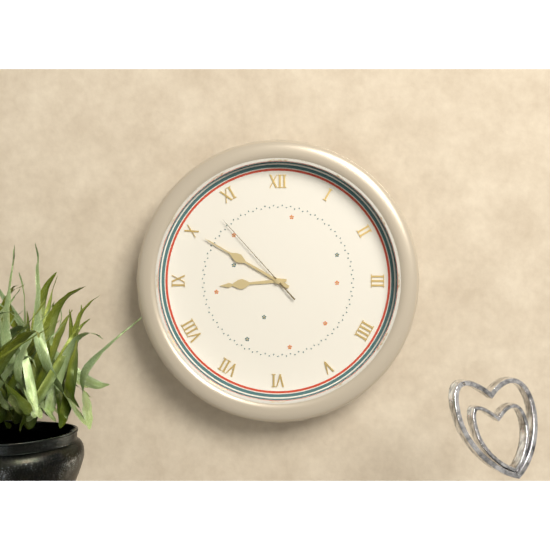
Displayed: 8 h 50 min 53 s
